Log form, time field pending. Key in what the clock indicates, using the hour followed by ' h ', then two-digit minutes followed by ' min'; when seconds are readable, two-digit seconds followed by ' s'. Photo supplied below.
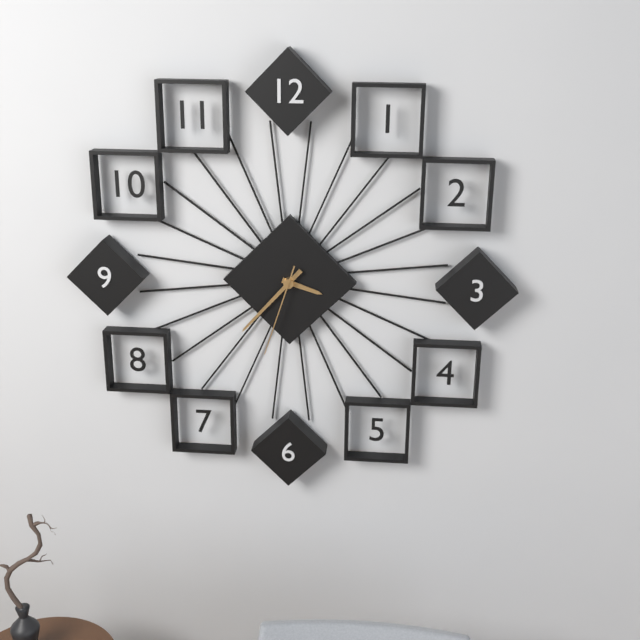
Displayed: 3 h 37 min 33 s
